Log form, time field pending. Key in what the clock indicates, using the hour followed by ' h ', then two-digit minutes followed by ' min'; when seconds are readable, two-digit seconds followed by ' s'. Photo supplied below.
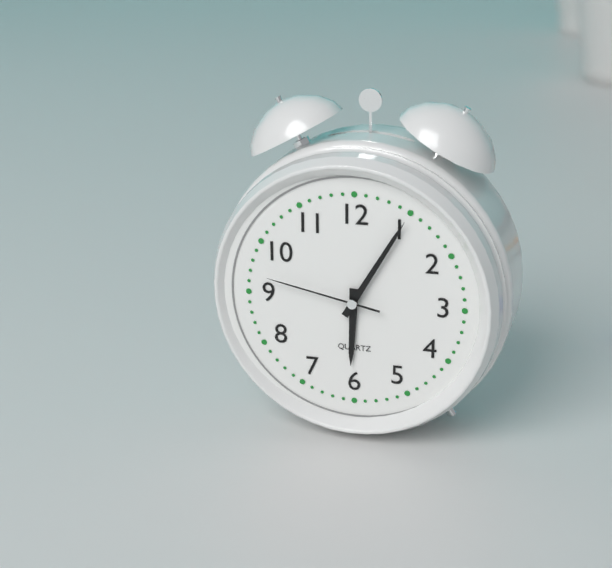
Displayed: 6 h 05 min 47 s
